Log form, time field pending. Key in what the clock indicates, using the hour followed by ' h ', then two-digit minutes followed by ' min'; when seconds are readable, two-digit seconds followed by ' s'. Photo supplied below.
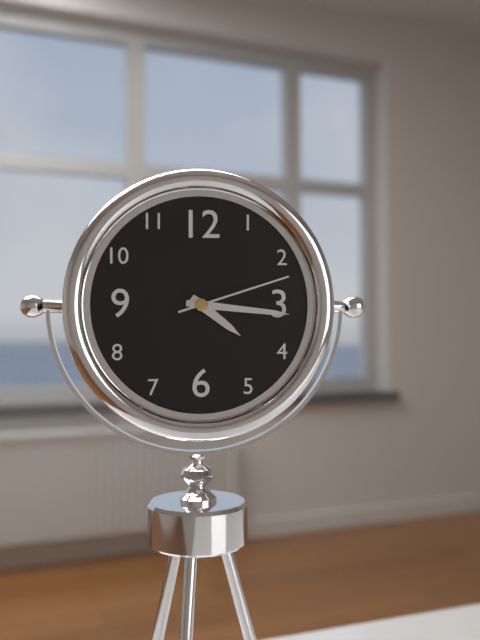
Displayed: 4 h 16 min 12 s
